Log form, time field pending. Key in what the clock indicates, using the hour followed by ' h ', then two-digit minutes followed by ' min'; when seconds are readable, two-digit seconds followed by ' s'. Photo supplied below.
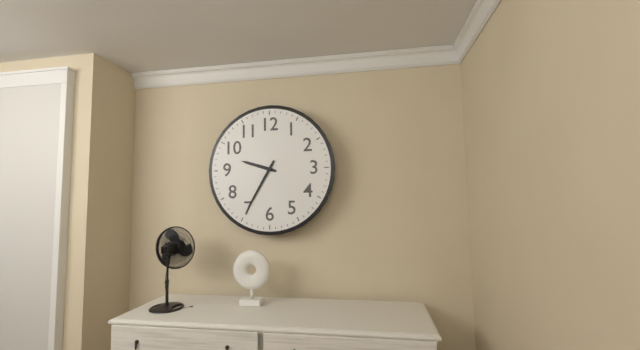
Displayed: 9 h 35 min
